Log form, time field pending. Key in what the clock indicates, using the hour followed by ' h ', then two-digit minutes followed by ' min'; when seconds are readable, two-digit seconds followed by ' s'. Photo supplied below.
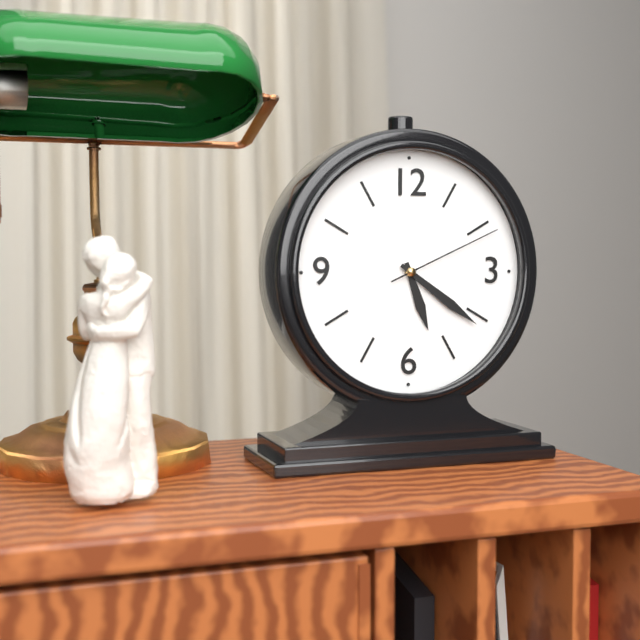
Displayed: 5 h 21 min 11 s
